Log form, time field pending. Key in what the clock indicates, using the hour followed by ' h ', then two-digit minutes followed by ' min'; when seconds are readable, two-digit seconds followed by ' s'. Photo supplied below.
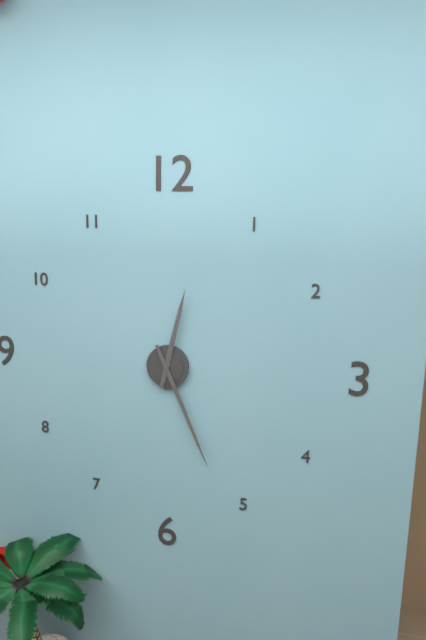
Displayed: 12 h 26 min
